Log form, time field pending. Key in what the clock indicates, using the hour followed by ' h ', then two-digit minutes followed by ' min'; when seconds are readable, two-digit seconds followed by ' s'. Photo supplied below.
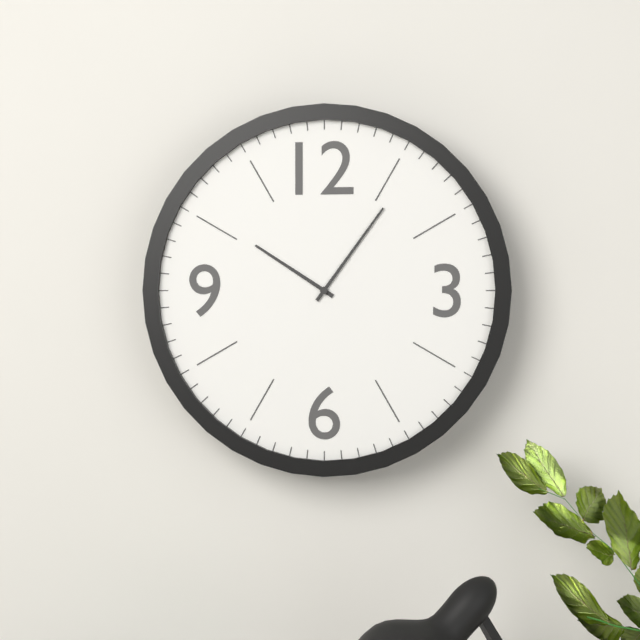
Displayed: 10 h 06 min
